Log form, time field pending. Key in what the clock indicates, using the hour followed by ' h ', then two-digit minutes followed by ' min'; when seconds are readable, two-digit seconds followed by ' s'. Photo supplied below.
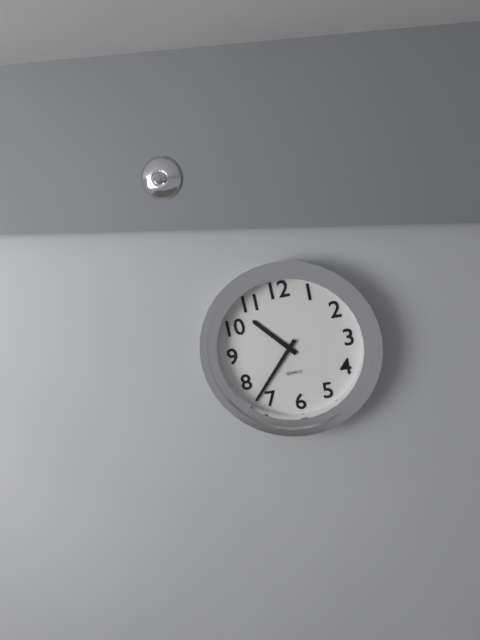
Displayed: 10 h 37 min
